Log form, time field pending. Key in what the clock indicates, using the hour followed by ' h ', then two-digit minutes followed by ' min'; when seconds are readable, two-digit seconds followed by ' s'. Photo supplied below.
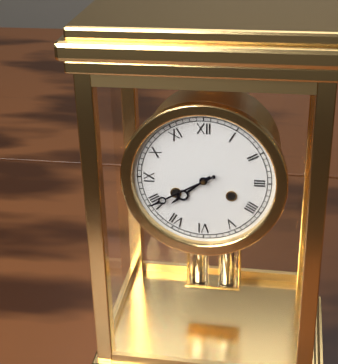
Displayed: 7 h 40 min
